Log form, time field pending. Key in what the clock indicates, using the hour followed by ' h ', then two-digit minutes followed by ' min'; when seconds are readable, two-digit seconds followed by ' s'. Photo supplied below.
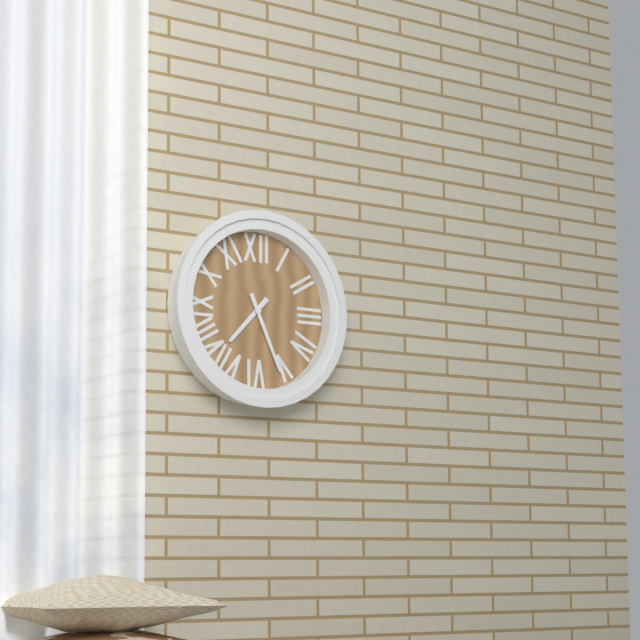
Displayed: 7 h 26 min
